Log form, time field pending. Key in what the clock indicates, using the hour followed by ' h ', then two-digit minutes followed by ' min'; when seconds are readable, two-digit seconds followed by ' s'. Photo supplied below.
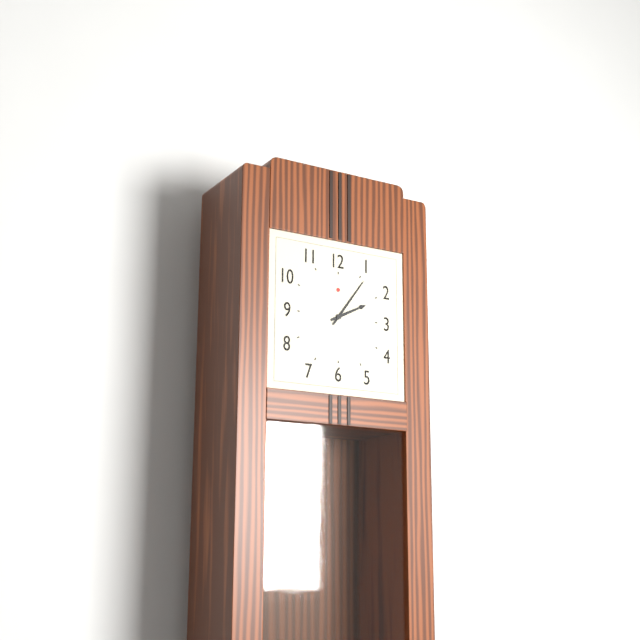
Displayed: 2 h 06 min
